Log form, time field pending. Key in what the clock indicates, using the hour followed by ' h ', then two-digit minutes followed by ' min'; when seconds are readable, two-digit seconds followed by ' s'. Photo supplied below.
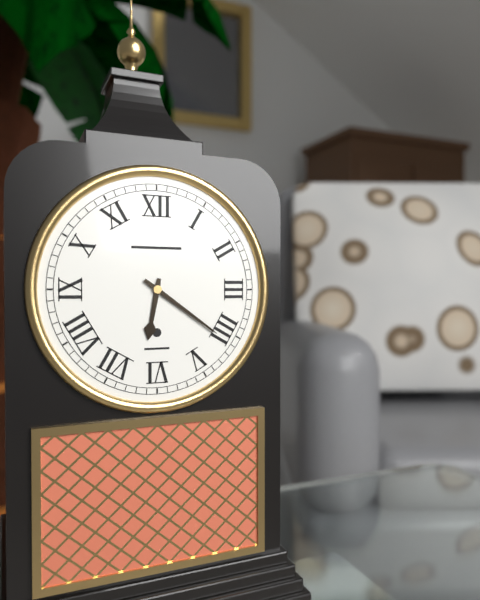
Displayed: 6 h 21 min
